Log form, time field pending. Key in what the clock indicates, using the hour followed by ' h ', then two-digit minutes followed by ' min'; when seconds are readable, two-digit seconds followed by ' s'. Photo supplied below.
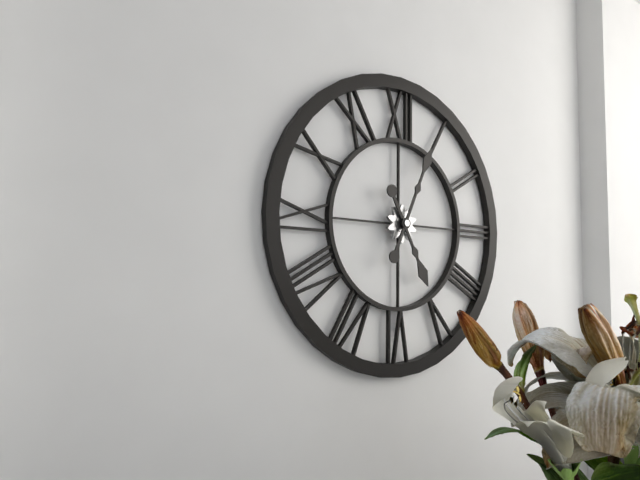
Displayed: 5 h 04 min
